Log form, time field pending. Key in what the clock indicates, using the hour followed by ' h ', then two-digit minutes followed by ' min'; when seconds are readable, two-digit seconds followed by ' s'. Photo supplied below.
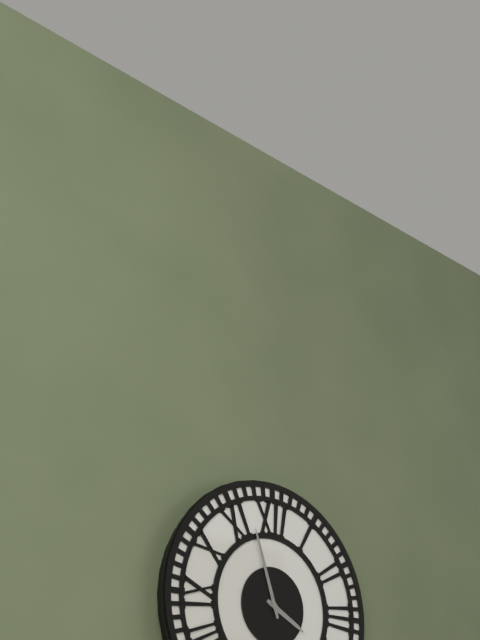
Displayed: 3 h 57 min
